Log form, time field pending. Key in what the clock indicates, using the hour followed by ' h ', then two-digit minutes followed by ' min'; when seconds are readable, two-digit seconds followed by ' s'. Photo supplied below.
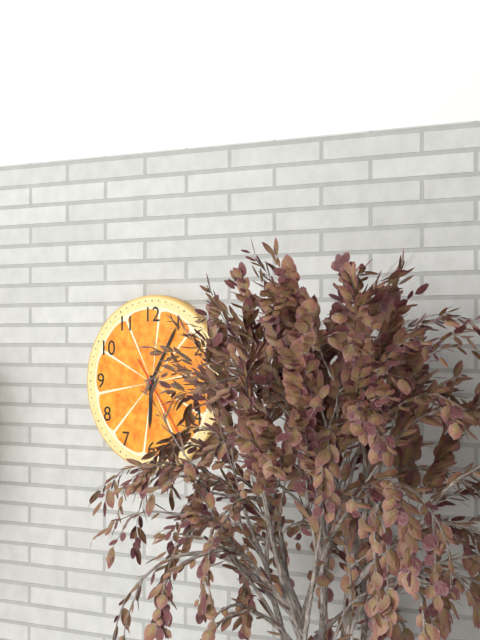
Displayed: 6 h 05 min 24 s
